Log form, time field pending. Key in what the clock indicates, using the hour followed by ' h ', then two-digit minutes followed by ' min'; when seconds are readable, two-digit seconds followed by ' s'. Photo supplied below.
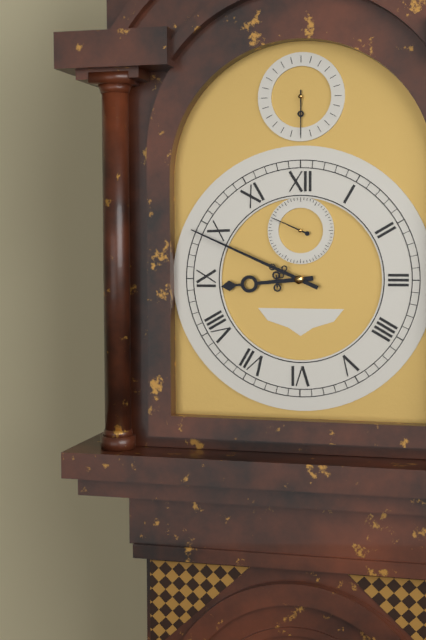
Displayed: 8 h 49 min
